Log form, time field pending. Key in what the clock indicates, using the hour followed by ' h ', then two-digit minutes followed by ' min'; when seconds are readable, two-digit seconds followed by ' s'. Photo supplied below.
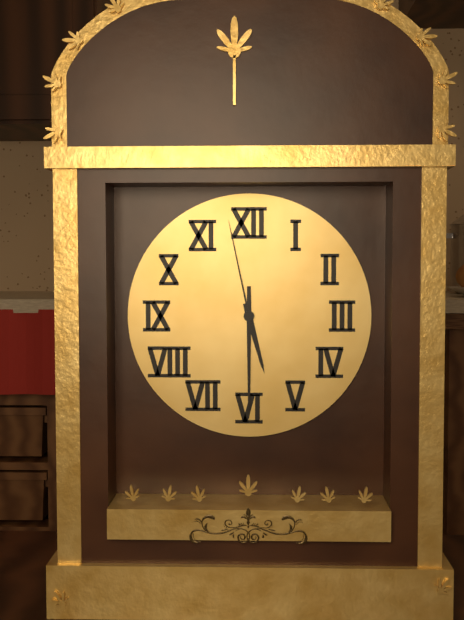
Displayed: 5 h 30 min 58 s
